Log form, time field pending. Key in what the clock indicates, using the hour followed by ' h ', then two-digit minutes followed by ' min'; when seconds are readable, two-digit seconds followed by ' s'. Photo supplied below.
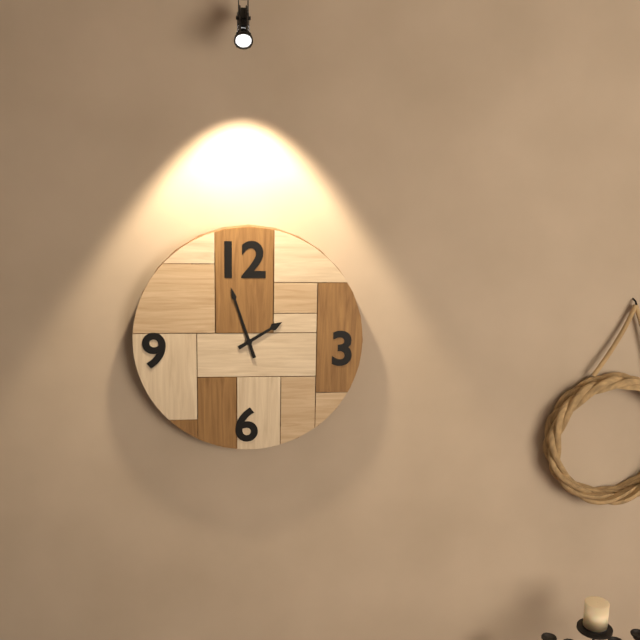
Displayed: 1 h 57 min
